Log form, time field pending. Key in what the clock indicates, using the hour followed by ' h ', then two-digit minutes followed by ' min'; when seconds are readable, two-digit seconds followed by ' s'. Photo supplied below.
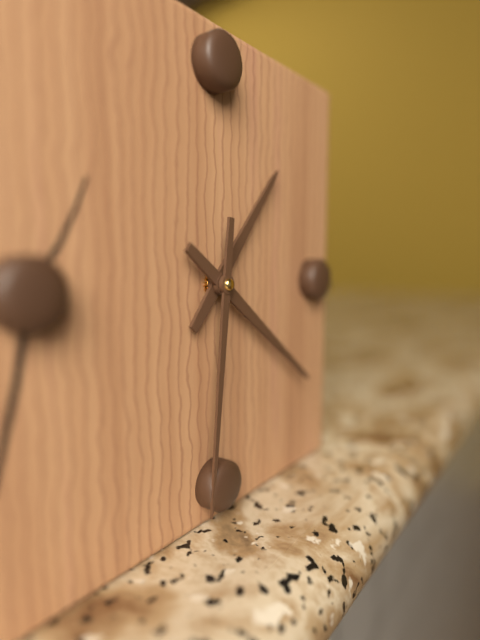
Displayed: 1 h 21 min 31 s
